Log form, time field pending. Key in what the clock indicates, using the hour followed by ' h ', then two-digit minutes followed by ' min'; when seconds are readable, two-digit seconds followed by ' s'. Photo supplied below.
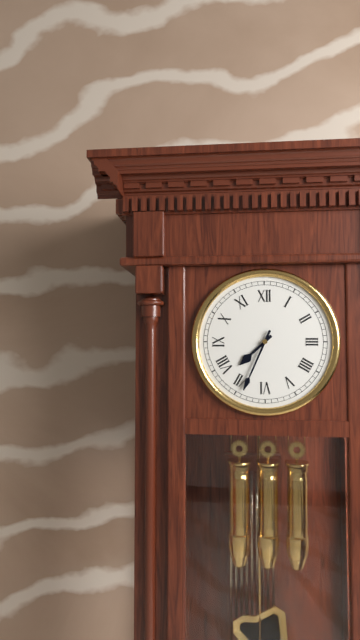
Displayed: 7 h 34 min
